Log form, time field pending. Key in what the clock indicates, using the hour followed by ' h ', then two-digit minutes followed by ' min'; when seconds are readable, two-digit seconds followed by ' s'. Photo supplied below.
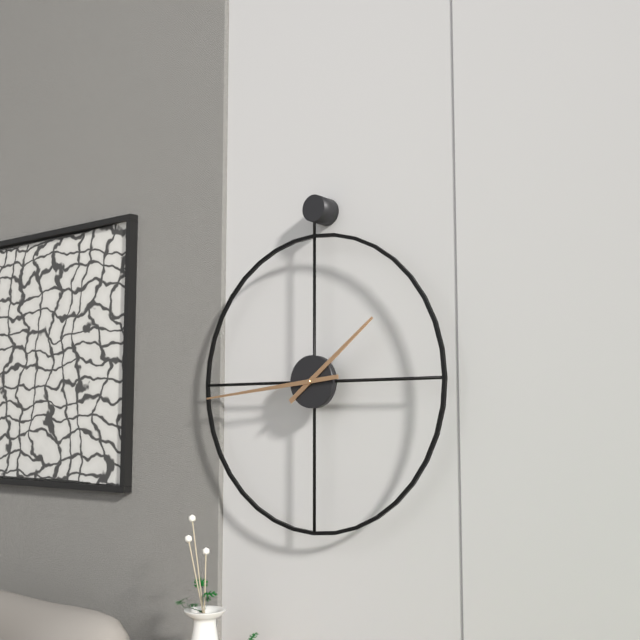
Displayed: 1 h 44 min
